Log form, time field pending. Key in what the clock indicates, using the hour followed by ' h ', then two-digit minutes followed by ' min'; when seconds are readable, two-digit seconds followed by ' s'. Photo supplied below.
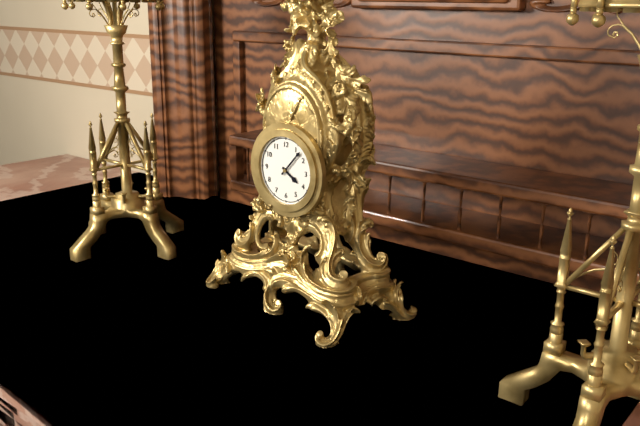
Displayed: 4 h 07 min
